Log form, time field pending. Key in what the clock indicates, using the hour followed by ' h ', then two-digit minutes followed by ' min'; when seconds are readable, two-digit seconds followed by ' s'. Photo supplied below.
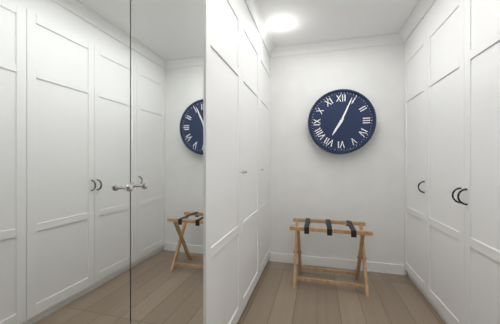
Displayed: 7 h 04 min
